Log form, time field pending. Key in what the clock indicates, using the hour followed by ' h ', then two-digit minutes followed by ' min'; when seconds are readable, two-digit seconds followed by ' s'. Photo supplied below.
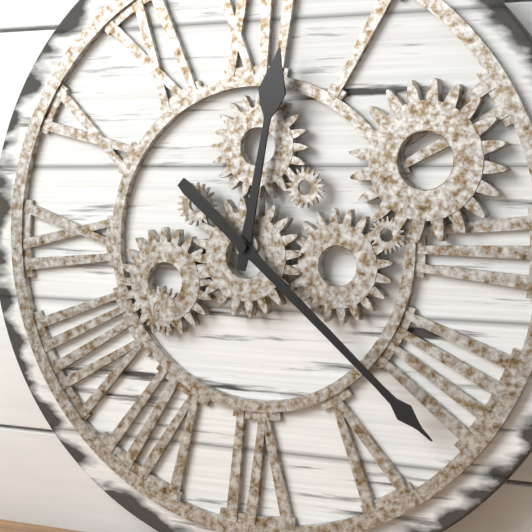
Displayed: 12 h 22 min
